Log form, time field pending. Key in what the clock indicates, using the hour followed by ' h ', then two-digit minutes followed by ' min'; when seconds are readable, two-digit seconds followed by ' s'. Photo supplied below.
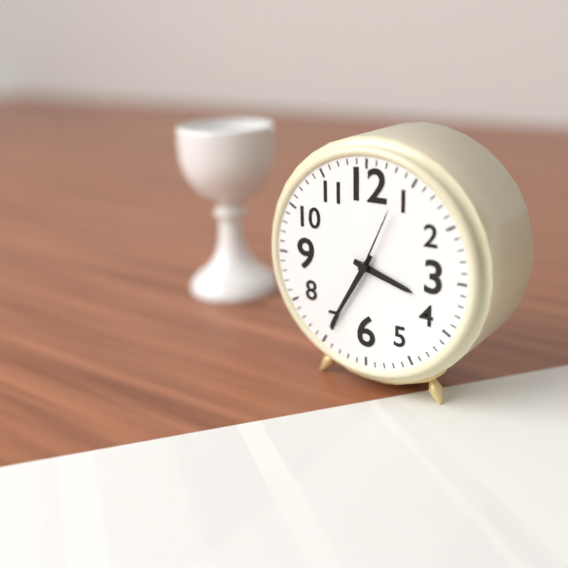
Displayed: 3 h 35 min 04 s
